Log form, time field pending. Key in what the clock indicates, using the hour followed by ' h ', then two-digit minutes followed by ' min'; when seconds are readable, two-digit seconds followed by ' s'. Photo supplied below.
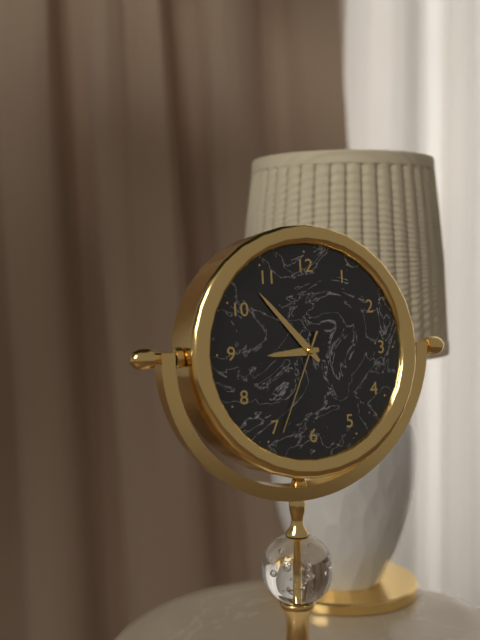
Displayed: 8 h 53 min 34 s
